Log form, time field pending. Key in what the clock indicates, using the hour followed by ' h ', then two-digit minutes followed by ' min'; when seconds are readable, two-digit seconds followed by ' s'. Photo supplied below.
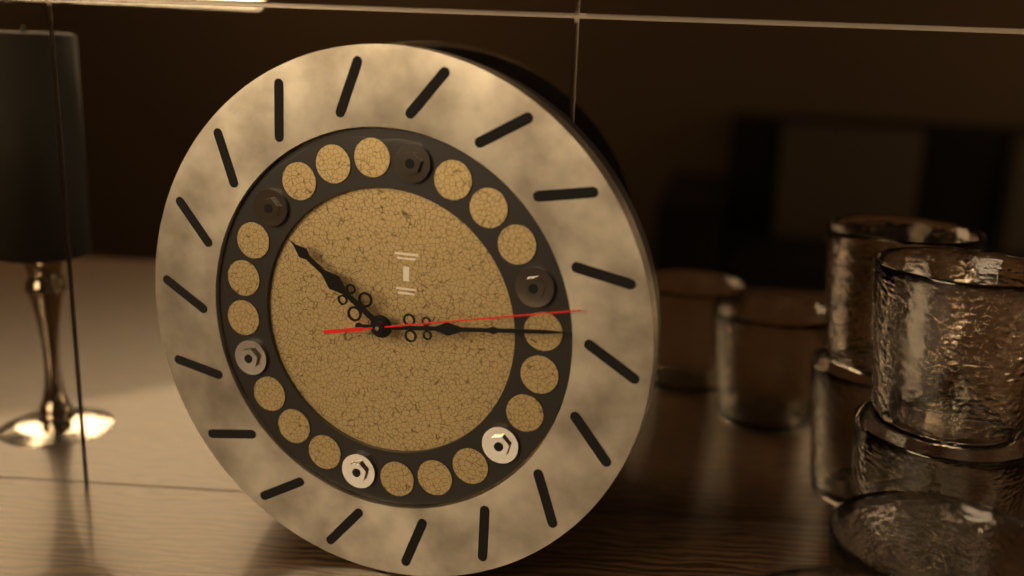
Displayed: 10 h 14 min 13 s
